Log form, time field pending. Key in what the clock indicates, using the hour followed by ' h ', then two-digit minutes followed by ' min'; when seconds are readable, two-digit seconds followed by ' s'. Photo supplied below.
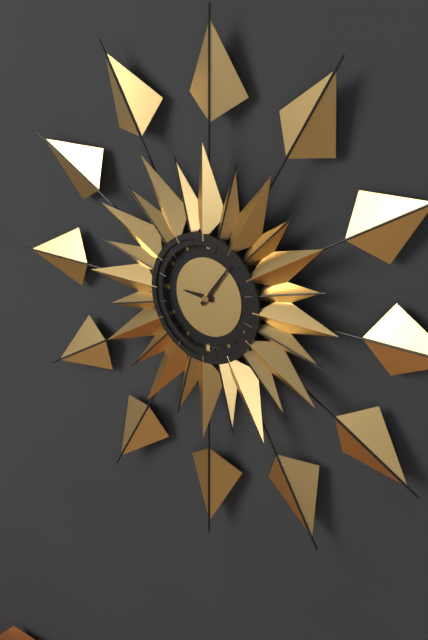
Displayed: 9 h 06 min
